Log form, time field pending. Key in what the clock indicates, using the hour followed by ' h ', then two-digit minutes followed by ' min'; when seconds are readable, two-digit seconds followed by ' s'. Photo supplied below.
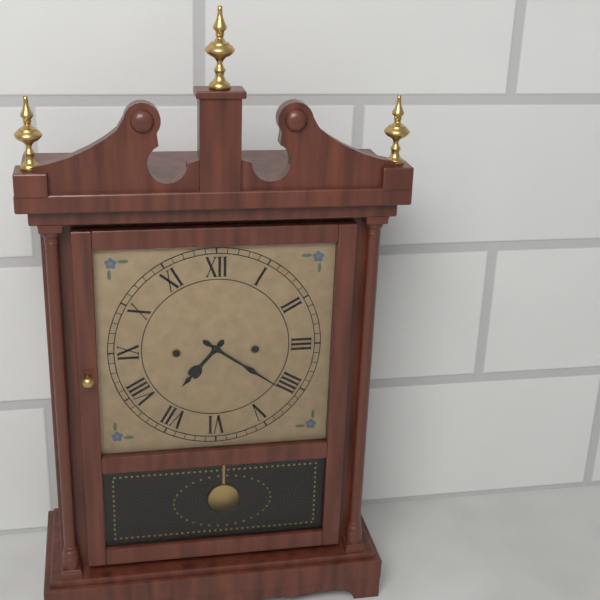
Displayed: 7 h 21 min
